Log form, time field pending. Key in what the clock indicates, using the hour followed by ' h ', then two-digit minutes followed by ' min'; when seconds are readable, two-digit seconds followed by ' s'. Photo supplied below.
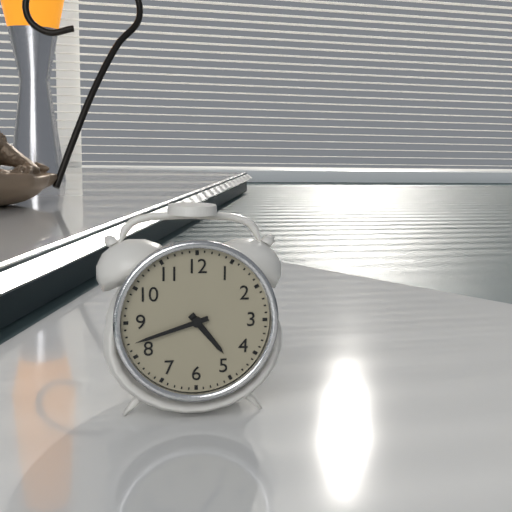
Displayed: 4 h 42 min
